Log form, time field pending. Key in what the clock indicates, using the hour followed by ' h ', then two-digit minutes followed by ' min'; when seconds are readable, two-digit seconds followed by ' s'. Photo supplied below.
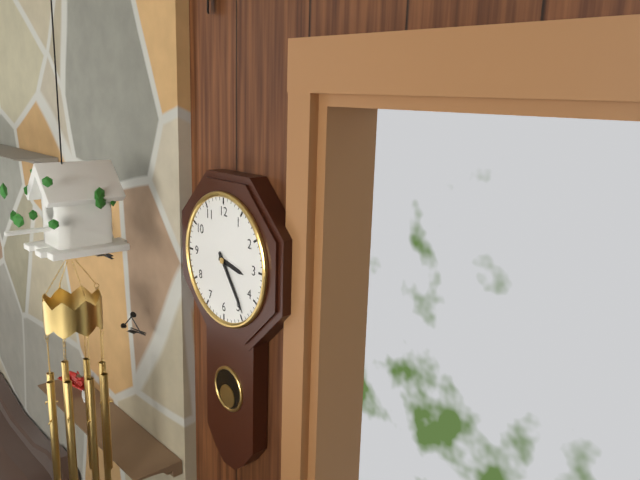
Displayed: 3 h 24 min
